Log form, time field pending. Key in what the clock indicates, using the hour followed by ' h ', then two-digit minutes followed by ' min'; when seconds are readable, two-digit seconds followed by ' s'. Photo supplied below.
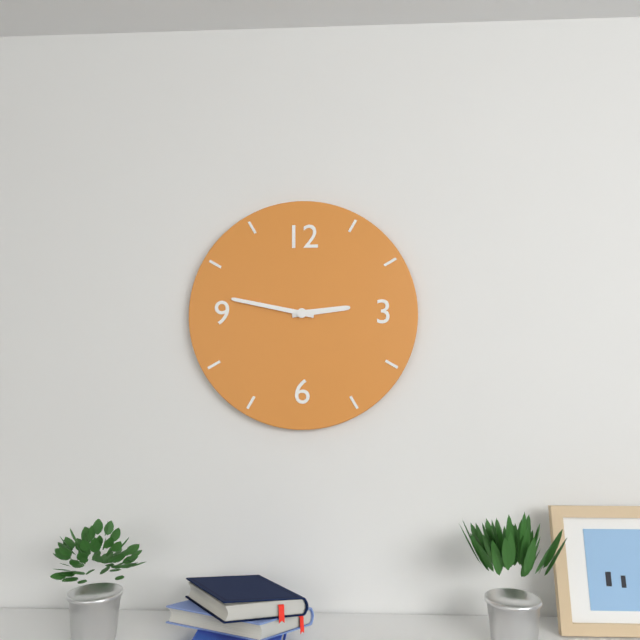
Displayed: 2 h 47 min
